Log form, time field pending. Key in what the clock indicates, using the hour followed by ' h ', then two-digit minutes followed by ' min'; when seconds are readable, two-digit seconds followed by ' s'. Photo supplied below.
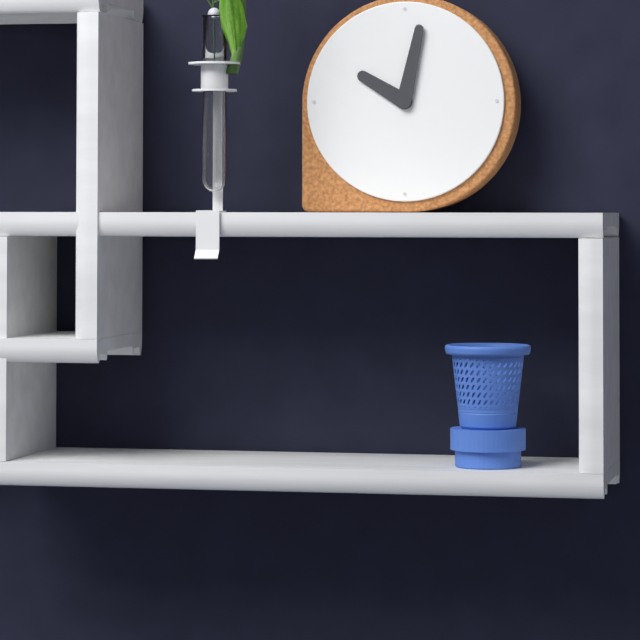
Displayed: 10 h 02 min
